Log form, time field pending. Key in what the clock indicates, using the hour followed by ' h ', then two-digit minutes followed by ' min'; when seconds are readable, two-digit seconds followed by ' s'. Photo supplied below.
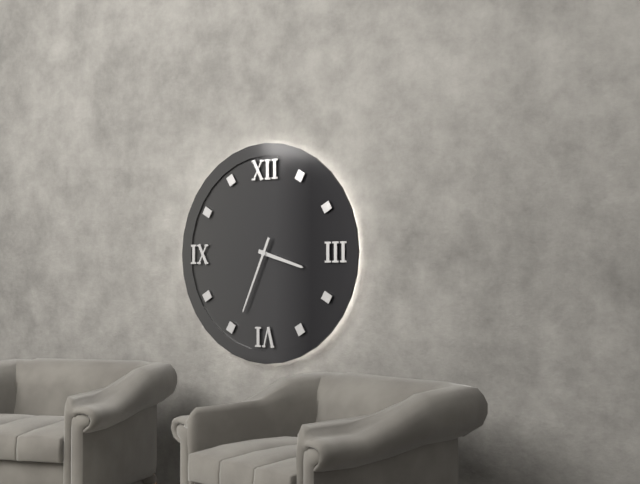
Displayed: 3 h 34 min
